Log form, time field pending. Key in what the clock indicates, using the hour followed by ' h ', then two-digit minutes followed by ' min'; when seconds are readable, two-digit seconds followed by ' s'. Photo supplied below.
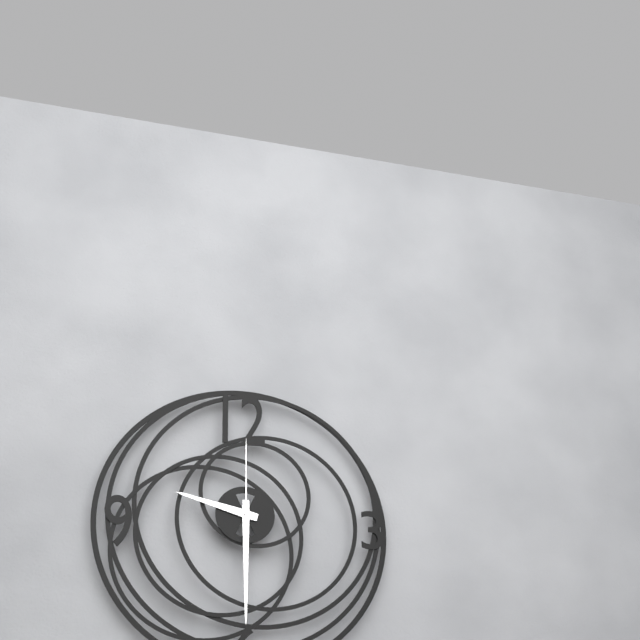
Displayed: 9 h 30 min 00 s
